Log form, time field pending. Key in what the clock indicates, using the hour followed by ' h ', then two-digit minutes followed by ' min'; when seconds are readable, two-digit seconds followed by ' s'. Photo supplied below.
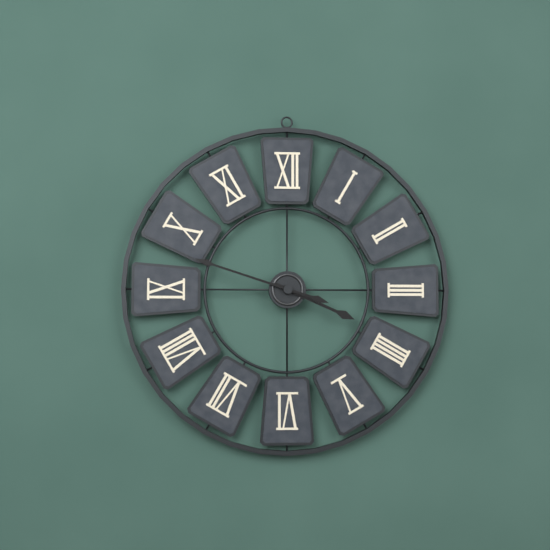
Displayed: 3 h 48 min
